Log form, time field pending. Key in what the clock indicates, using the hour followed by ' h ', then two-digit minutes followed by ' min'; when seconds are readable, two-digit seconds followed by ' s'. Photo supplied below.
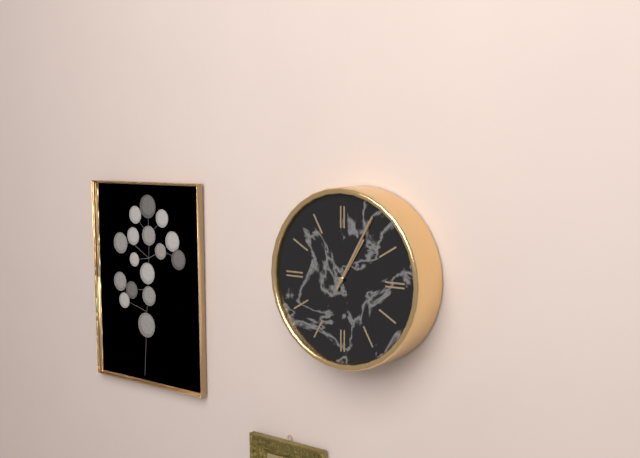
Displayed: 1 h 05 min
